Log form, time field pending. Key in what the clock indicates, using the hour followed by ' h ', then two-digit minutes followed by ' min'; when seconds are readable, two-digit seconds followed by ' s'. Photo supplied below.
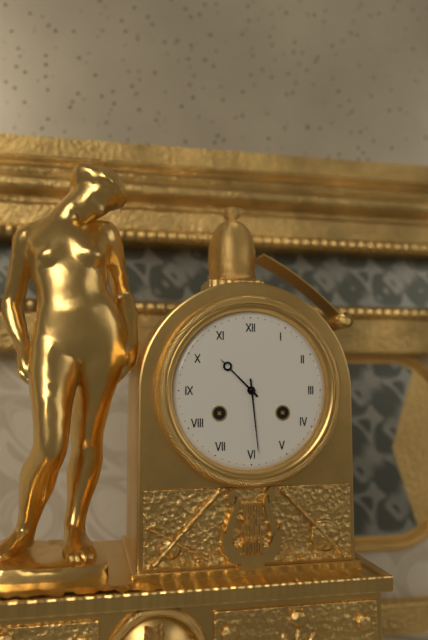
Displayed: 10 h 29 min
